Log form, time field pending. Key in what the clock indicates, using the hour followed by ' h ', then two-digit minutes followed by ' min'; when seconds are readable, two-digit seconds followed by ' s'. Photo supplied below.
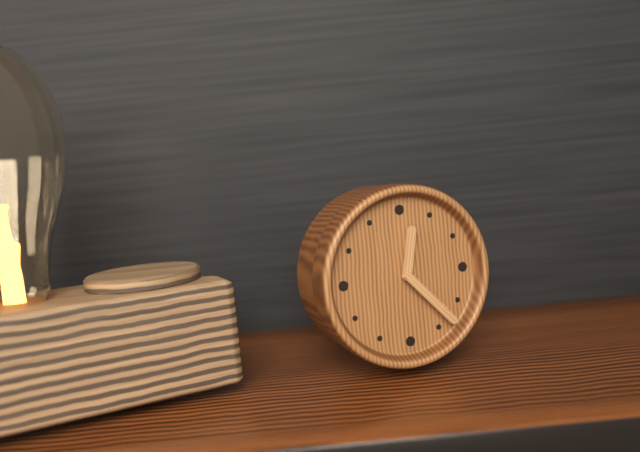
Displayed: 12 h 23 min
